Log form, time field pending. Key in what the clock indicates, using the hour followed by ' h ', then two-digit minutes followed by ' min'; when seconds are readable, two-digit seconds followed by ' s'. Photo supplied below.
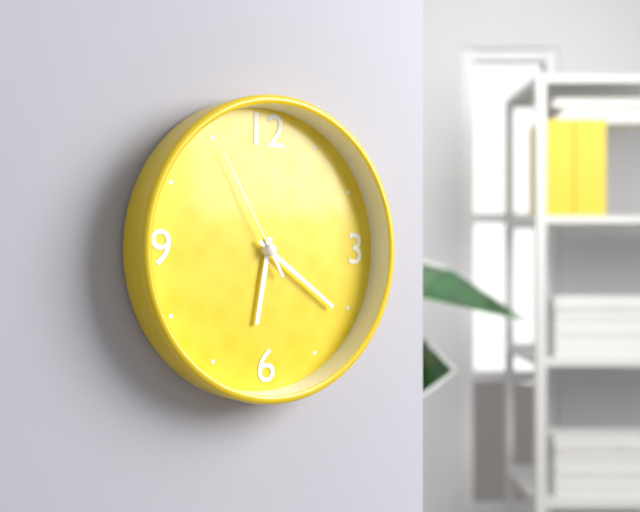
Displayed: 6 h 21 min 55 s
